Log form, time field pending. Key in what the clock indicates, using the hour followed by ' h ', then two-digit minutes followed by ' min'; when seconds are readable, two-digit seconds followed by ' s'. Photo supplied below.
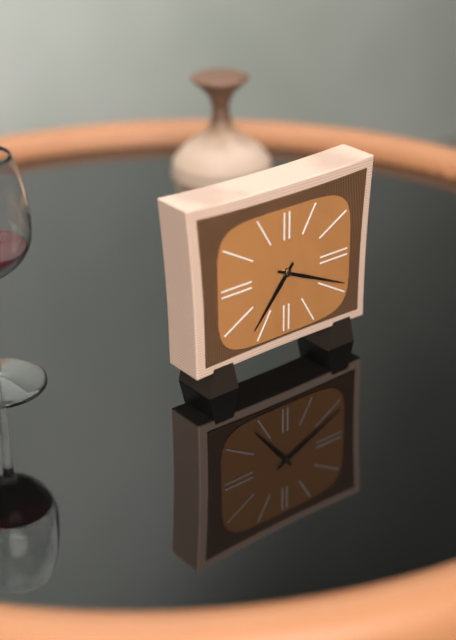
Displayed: 7 h 19 min
